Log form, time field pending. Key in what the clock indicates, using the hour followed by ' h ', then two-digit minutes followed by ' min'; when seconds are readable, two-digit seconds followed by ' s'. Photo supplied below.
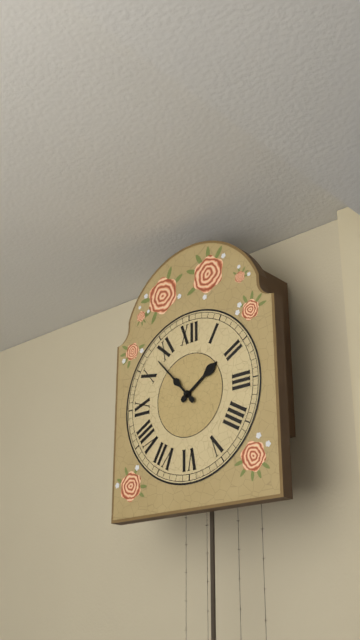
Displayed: 1 h 53 min
